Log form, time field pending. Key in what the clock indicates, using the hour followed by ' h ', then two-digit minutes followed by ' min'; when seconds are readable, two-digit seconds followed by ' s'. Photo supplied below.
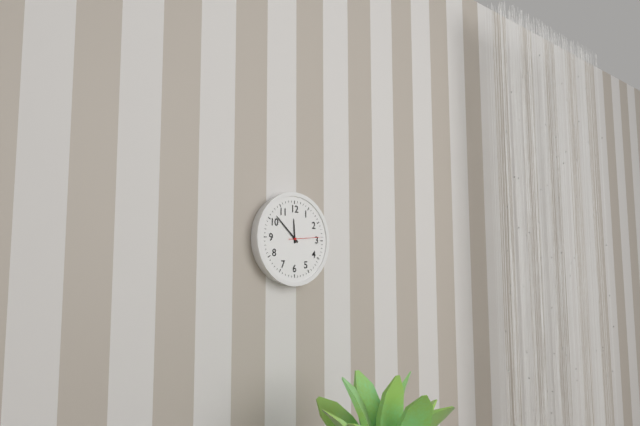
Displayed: 11 h 52 min
